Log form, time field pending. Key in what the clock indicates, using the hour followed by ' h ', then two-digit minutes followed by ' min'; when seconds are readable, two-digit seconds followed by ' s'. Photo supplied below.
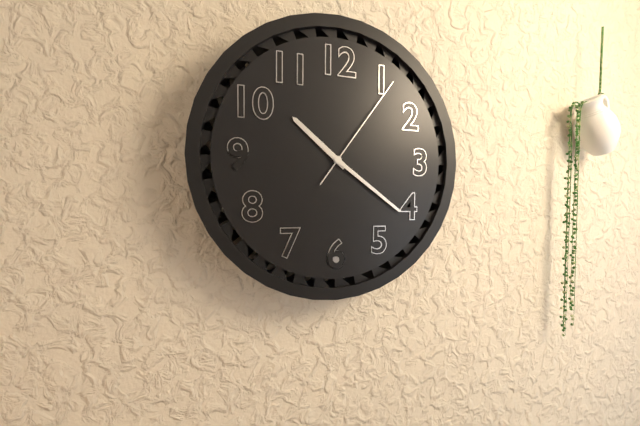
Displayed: 10 h 21 min 06 s
